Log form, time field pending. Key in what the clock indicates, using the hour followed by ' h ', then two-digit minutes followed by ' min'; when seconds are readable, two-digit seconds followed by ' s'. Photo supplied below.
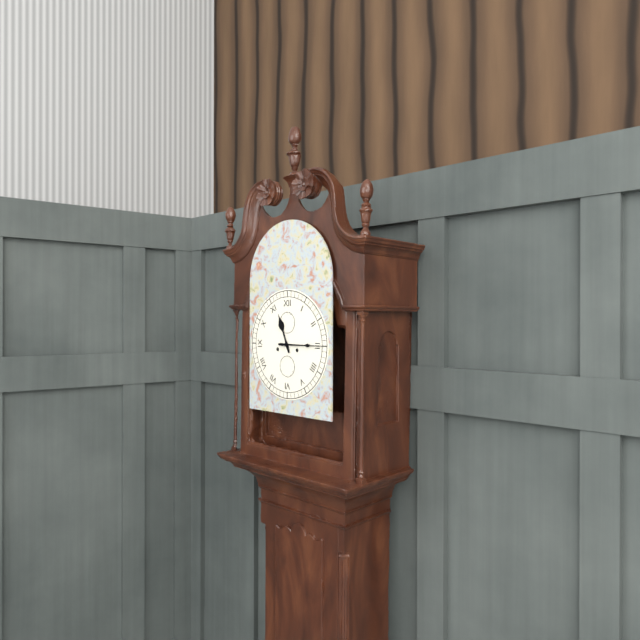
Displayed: 11 h 15 min
